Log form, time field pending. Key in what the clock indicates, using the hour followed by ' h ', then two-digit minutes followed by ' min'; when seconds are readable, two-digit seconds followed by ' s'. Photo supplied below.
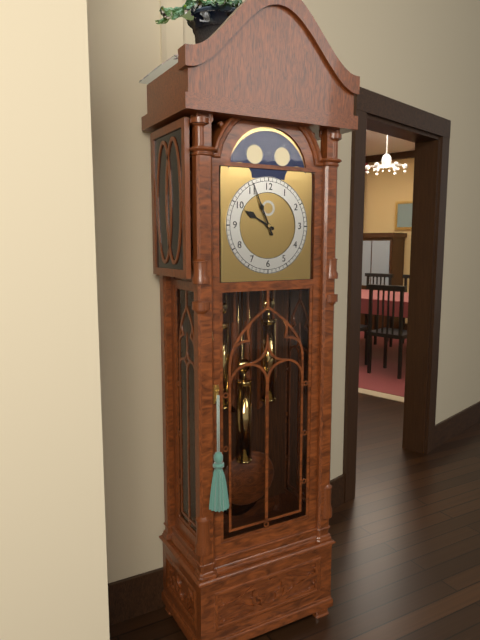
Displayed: 9 h 56 min
